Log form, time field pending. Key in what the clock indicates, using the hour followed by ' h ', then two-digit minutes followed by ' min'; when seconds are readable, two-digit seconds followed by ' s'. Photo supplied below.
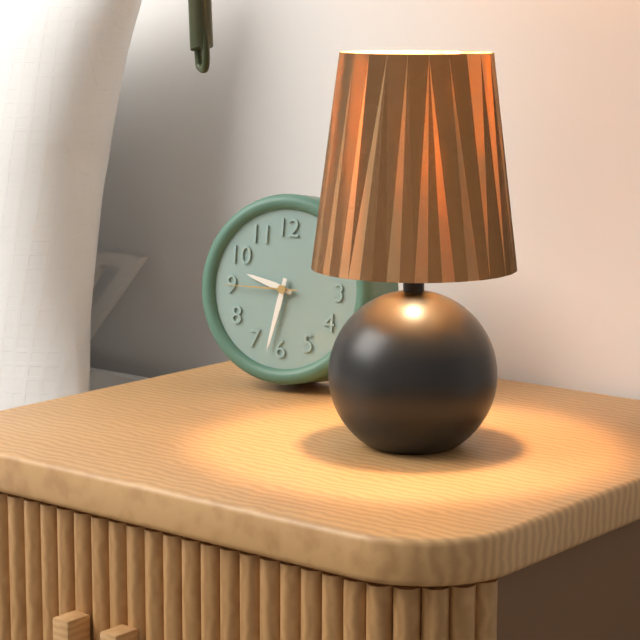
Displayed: 9 h 32 min 45 s
